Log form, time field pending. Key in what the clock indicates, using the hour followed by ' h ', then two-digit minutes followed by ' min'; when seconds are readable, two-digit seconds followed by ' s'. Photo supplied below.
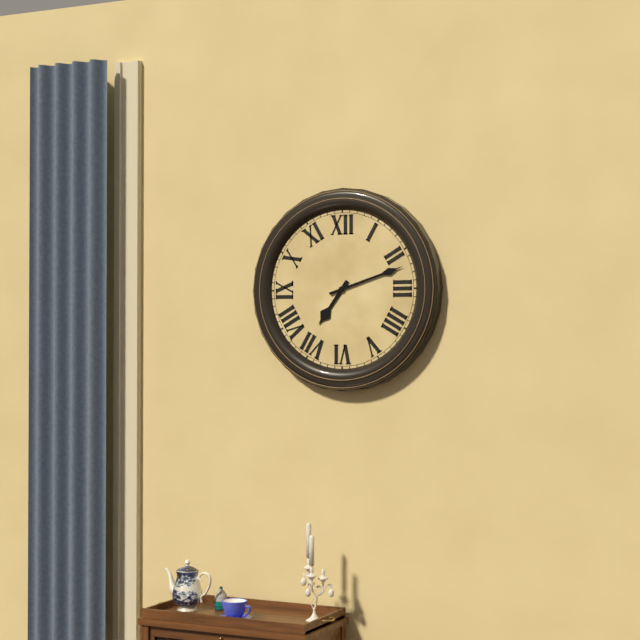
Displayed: 7 h 12 min
